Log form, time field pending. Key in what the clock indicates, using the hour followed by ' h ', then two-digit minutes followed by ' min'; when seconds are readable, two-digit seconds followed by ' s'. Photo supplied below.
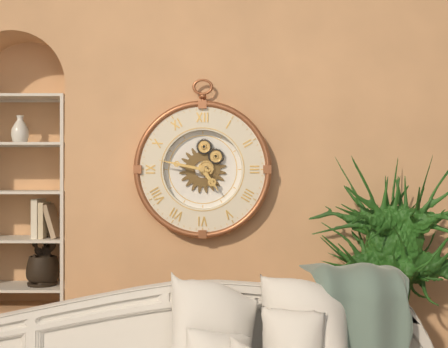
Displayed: 4 h 47 min
